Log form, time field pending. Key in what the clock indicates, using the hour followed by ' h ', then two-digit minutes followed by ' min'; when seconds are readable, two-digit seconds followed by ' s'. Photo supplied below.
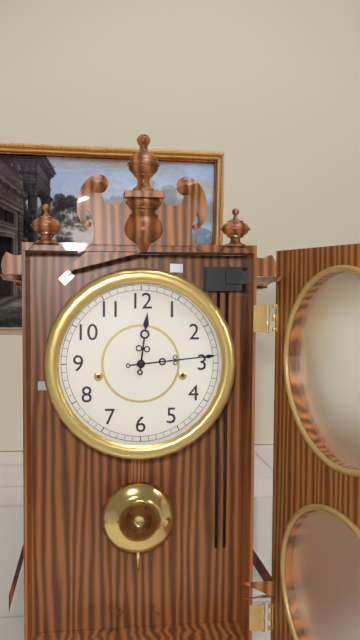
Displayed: 12 h 14 min
